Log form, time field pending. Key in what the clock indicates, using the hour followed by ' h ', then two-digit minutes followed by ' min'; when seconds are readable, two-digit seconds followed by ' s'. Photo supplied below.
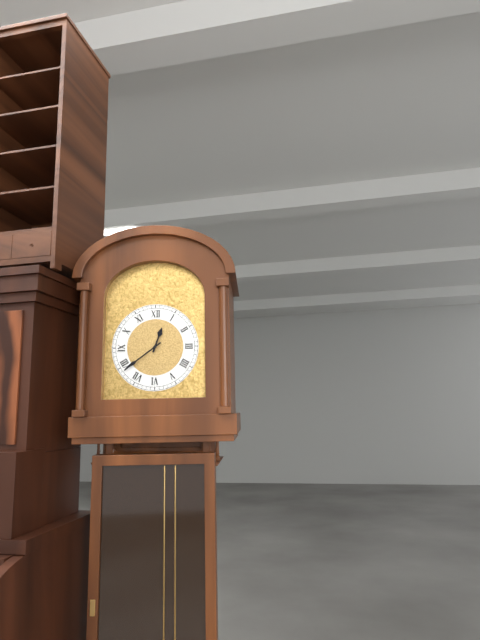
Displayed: 12 h 39 min
